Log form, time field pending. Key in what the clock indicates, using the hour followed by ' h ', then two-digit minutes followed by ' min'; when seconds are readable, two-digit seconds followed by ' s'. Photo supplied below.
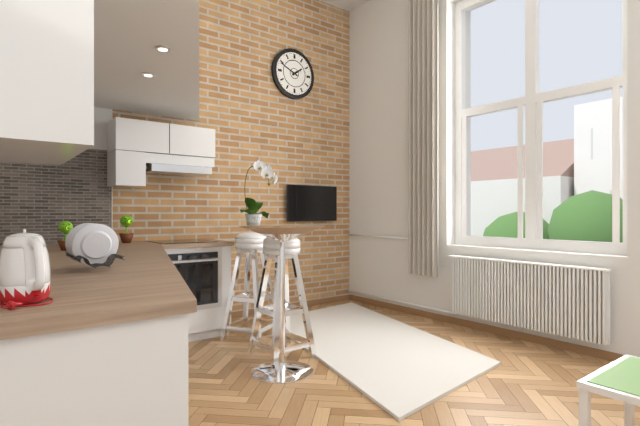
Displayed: 1 h 49 min
